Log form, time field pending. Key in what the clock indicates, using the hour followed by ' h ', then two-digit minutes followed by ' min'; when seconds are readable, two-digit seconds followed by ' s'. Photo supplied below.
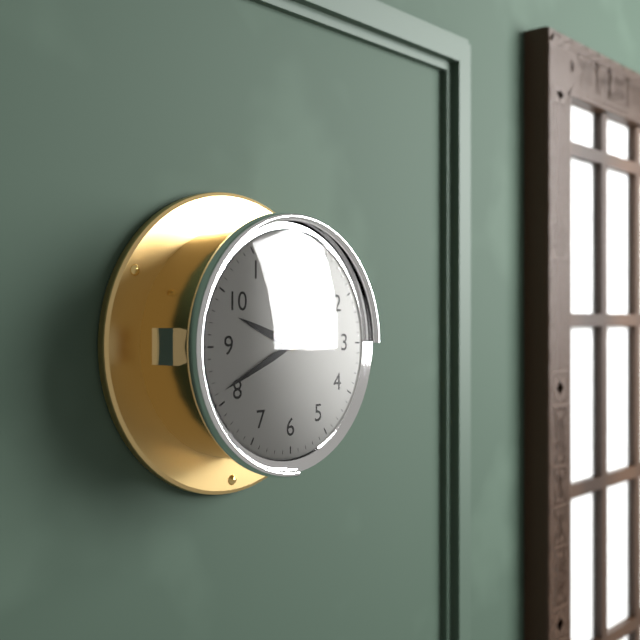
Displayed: 9 h 41 min
